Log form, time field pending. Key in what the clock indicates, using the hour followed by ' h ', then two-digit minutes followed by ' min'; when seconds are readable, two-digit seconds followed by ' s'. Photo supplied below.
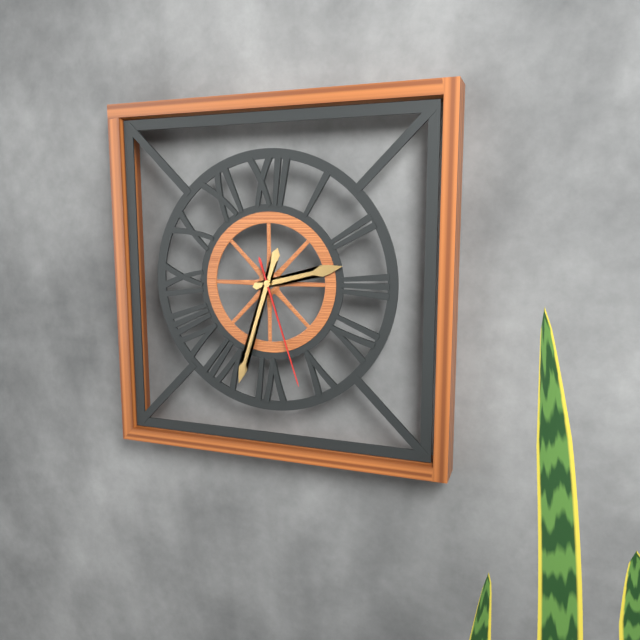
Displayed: 2 h 33 min 27 s
